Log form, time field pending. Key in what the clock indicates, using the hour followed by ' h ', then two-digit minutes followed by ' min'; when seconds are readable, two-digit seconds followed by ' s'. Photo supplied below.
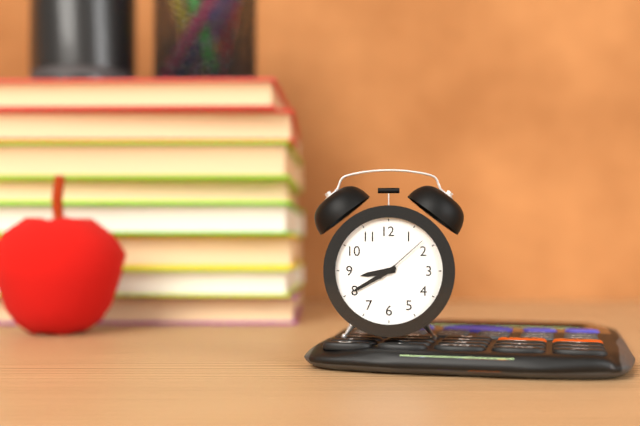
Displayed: 8 h 40 min 08 s
